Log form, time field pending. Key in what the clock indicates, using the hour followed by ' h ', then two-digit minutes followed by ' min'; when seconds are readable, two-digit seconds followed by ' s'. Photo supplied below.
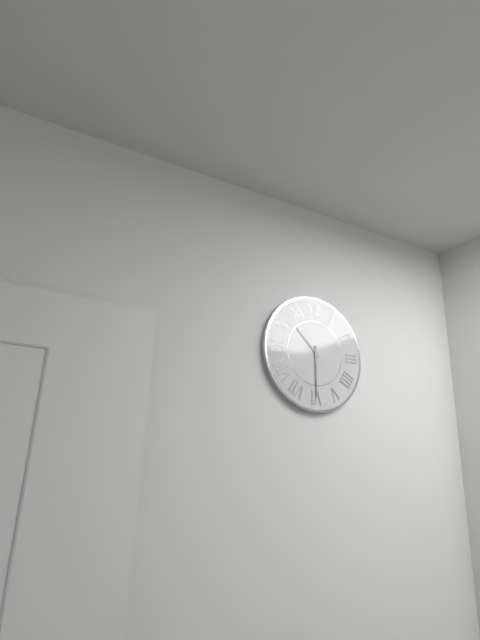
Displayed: 10 h 30 min
